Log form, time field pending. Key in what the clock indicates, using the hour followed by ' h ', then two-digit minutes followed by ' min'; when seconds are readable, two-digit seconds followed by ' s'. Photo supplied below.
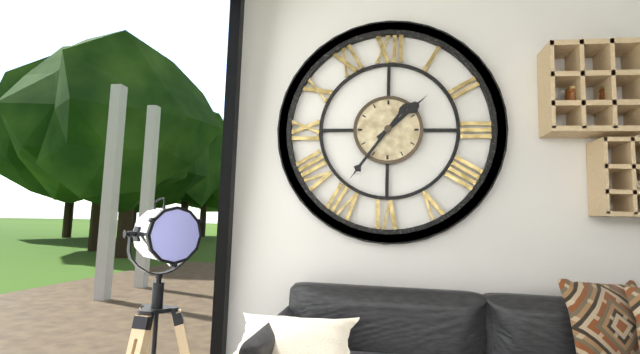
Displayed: 1 h 36 min
